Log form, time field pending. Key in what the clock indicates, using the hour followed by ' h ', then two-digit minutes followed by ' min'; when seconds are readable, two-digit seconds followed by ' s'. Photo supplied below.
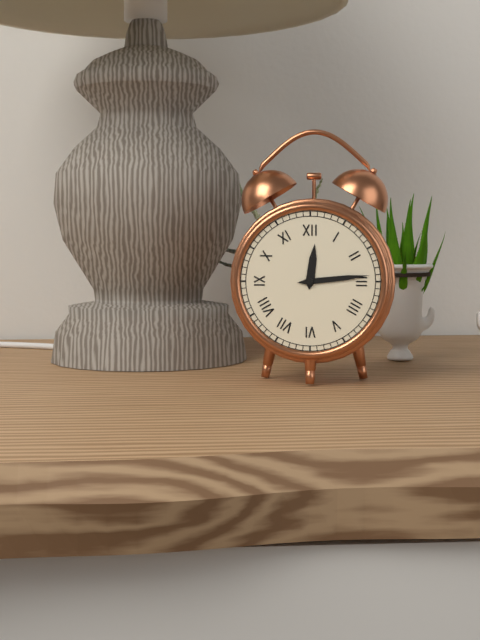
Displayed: 12 h 14 min
